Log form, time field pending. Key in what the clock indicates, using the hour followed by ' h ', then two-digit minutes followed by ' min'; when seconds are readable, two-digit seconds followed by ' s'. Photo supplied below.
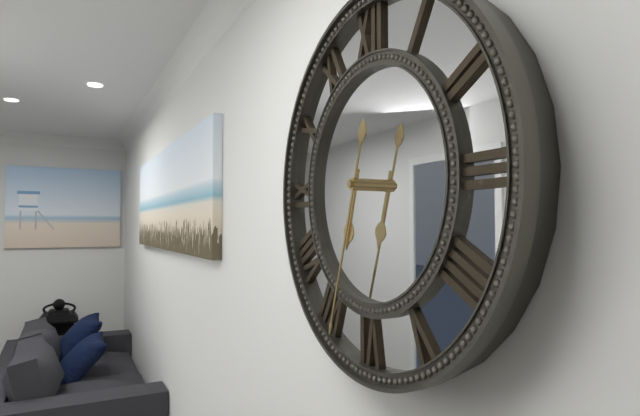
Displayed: 6 h 33 min
